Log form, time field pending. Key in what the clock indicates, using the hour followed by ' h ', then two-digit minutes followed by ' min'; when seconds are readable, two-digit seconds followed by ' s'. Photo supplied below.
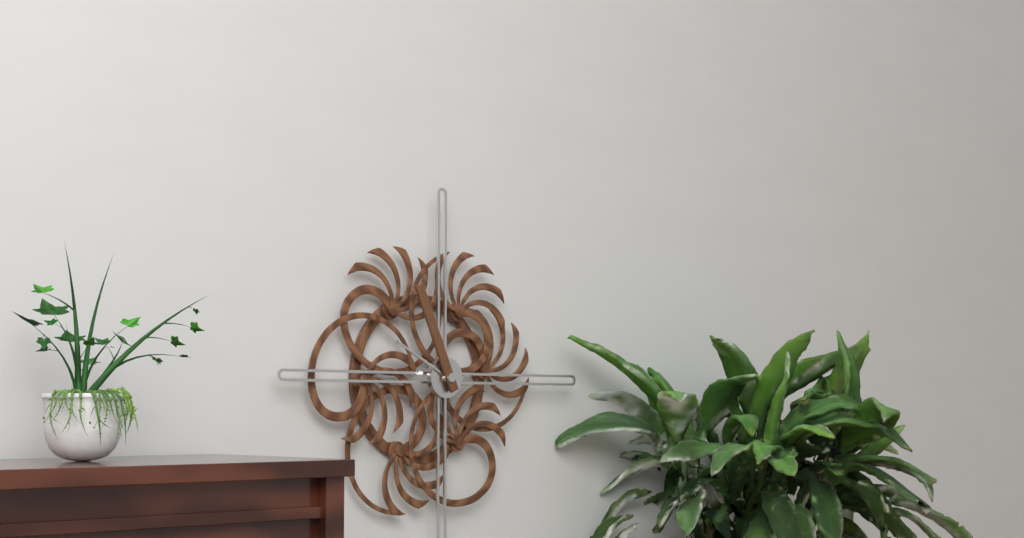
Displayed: 9 h 56 min
